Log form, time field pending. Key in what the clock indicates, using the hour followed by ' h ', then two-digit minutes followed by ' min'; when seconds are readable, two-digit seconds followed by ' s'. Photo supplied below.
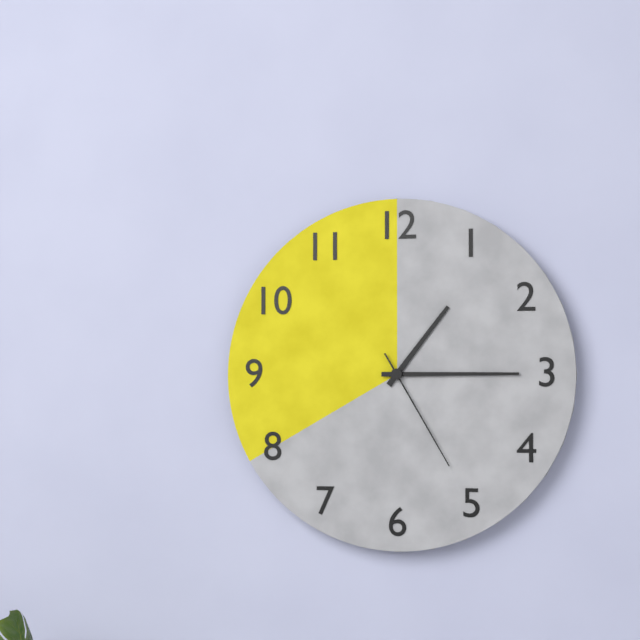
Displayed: 1 h 15 min 25 s
